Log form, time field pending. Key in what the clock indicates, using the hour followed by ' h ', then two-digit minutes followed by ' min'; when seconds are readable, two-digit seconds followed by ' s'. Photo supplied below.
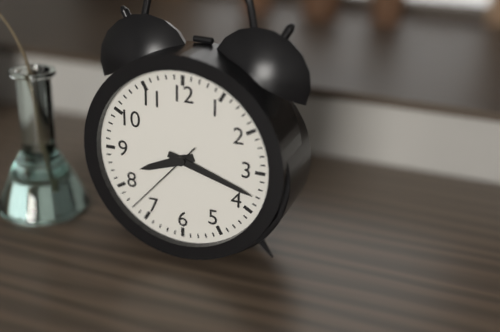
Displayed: 8 h 18 min 37 s
